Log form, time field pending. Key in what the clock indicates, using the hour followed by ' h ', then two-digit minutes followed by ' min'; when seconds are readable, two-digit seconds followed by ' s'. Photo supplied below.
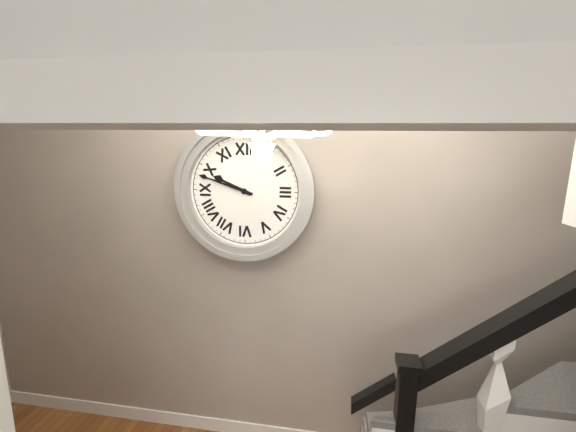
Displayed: 9 h 48 min
